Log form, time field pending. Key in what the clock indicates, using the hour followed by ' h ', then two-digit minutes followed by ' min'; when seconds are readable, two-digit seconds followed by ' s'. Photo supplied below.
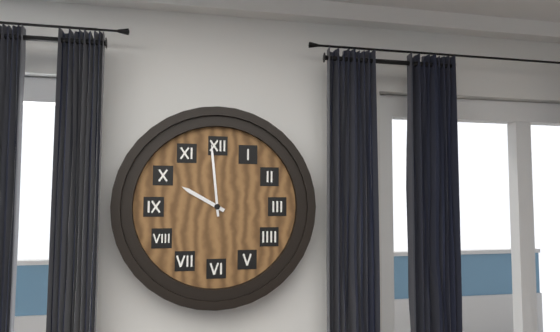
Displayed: 9 h 59 min
